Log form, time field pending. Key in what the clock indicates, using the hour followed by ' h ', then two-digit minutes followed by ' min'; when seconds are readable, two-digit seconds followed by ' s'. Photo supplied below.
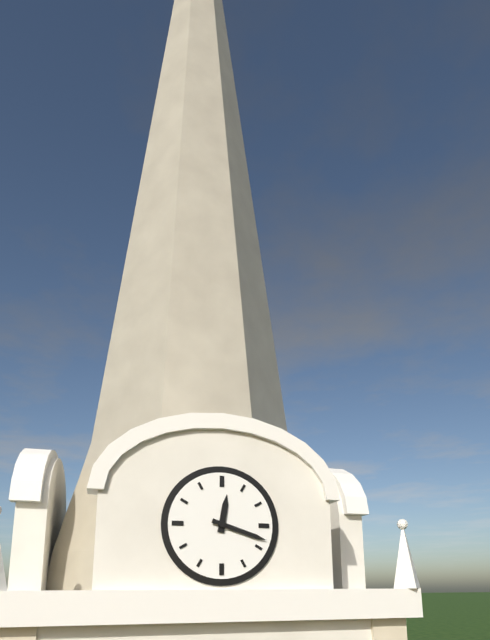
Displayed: 12 h 18 min
